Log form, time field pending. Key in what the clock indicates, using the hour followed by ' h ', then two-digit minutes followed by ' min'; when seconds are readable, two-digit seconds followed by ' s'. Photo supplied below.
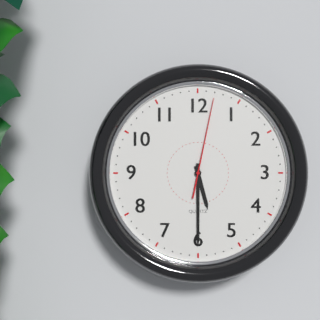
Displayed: 5 h 30 min 02 s
